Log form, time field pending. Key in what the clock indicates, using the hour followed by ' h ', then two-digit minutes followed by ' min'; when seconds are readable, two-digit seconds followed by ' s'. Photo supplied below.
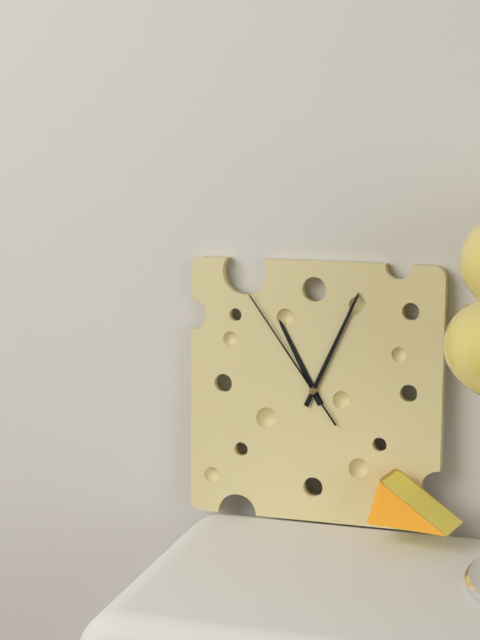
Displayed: 11 h 04 min 54 s
